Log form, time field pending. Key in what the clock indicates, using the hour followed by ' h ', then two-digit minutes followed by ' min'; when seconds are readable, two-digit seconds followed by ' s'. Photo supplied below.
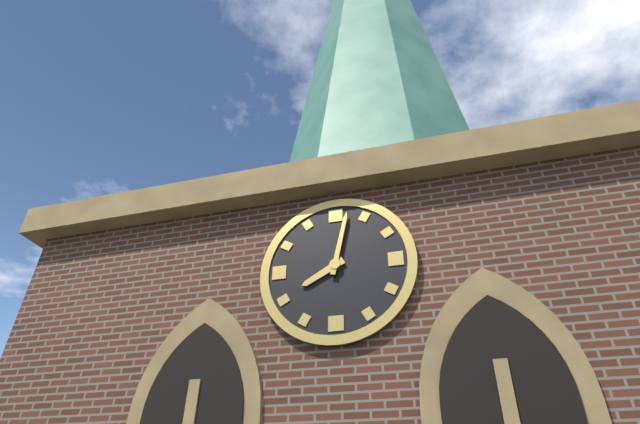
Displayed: 8 h 02 min
